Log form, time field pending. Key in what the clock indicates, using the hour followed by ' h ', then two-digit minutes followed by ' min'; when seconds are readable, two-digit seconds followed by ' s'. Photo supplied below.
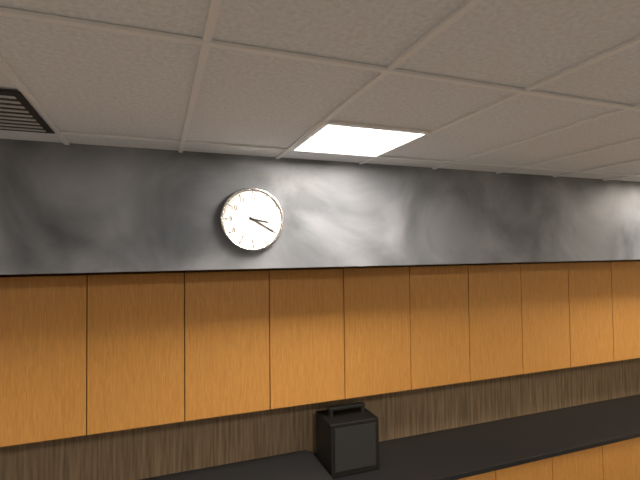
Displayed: 3 h 20 min
